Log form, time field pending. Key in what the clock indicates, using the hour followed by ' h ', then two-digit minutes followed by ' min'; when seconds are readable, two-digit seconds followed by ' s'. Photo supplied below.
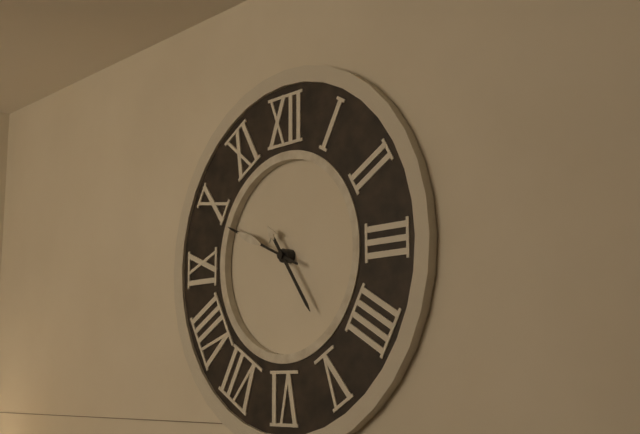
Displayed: 4 h 49 min
